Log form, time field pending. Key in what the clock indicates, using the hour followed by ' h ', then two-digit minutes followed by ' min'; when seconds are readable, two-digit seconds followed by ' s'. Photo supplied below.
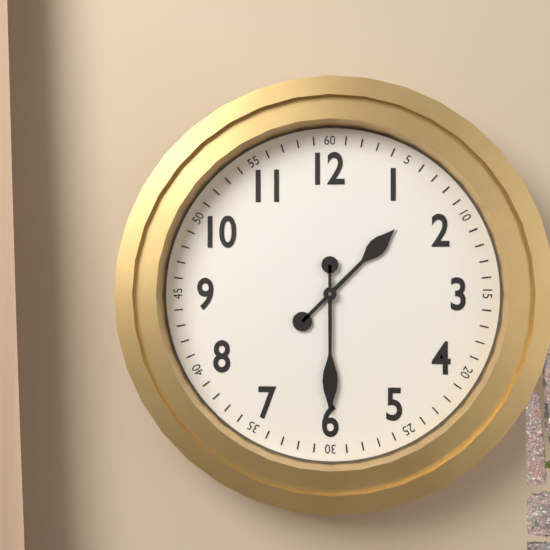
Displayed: 1 h 30 min
